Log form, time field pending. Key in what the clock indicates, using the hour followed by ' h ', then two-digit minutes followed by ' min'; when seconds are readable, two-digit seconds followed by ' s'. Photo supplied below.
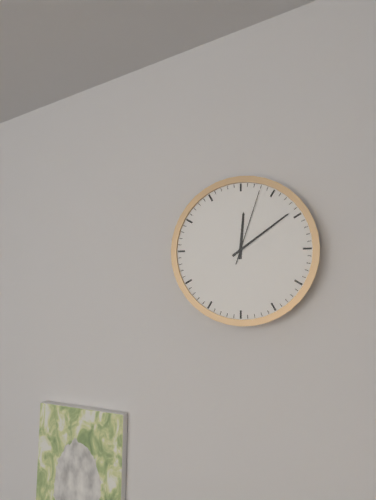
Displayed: 12 h 09 min 03 s
